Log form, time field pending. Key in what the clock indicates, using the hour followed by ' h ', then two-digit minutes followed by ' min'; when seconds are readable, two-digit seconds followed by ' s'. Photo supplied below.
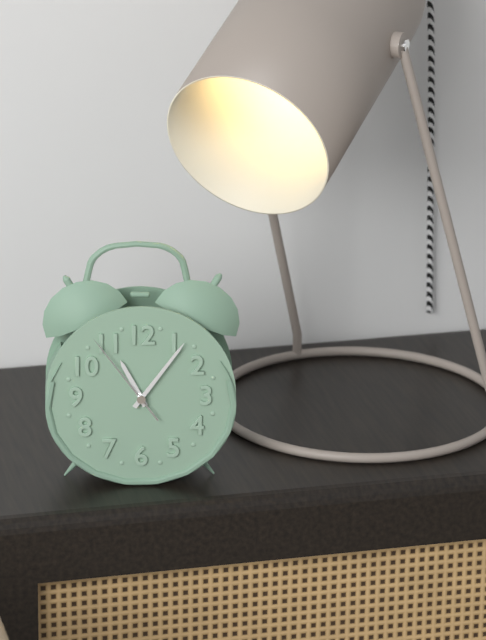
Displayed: 11 h 06 min 54 s
